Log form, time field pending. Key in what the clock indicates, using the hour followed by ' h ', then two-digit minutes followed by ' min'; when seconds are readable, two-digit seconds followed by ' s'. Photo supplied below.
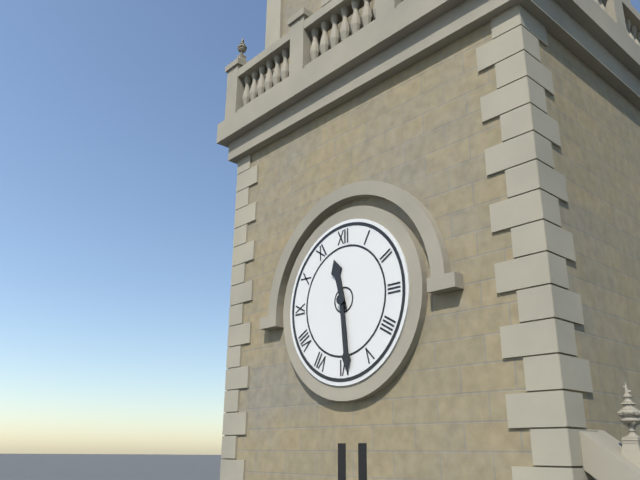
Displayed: 11 h 29 min
